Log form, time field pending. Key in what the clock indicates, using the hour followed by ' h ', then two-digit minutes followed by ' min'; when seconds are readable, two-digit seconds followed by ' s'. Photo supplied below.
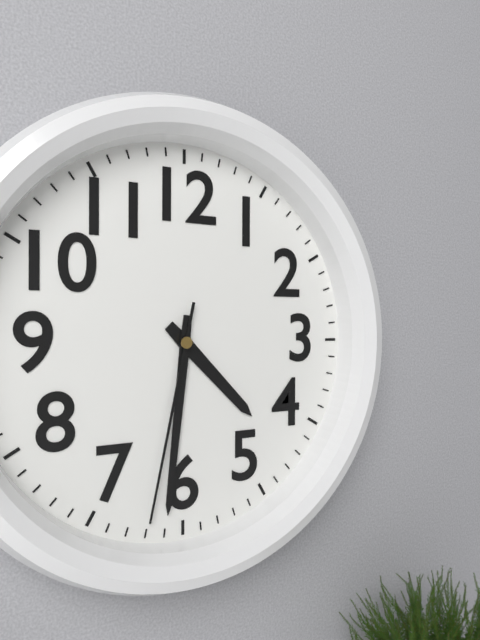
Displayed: 4 h 31 min 32 s
